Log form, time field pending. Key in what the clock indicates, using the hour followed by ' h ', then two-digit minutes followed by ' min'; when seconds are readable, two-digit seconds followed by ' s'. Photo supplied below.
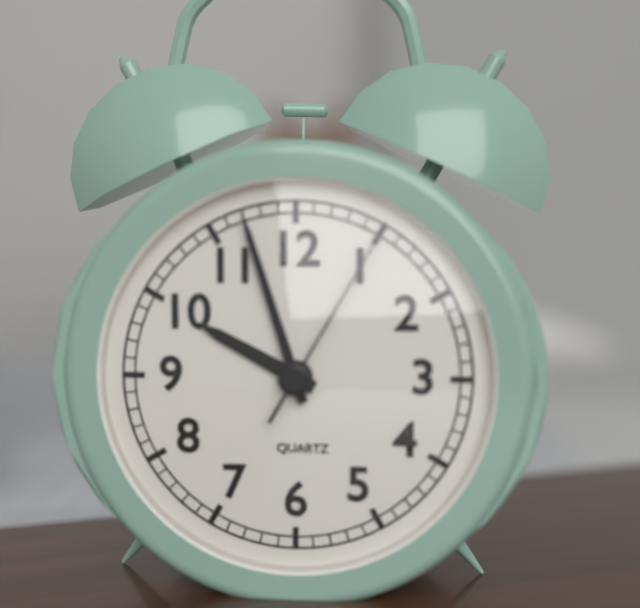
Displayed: 9 h 57 min 05 s
